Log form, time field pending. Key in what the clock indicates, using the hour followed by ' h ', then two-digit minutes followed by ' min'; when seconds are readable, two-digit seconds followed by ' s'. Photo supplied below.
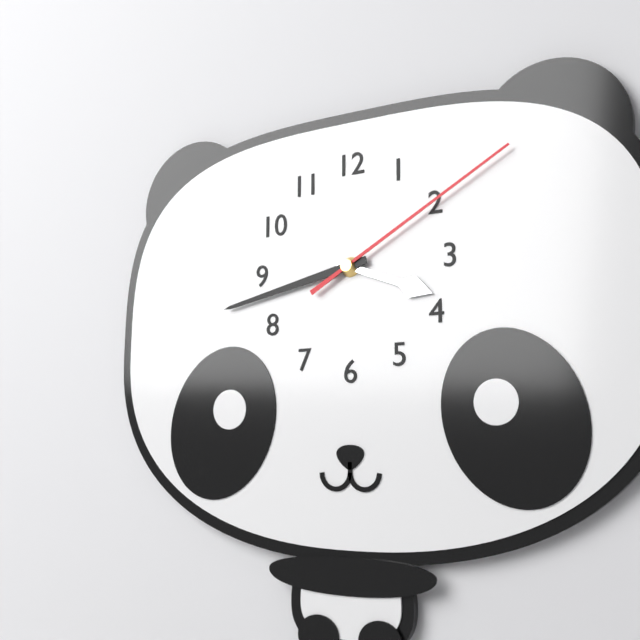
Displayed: 3 h 43 min 10 s
